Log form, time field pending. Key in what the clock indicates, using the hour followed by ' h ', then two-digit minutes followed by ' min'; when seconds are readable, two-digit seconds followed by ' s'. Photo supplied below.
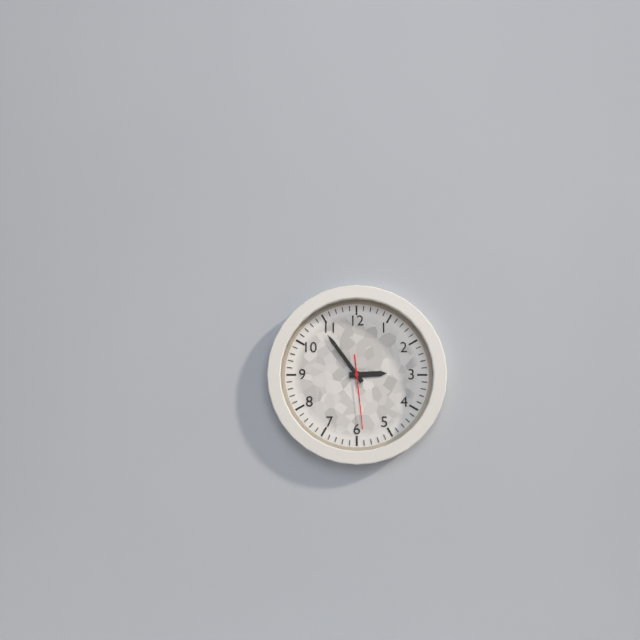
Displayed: 2 h 54 min 29 s
